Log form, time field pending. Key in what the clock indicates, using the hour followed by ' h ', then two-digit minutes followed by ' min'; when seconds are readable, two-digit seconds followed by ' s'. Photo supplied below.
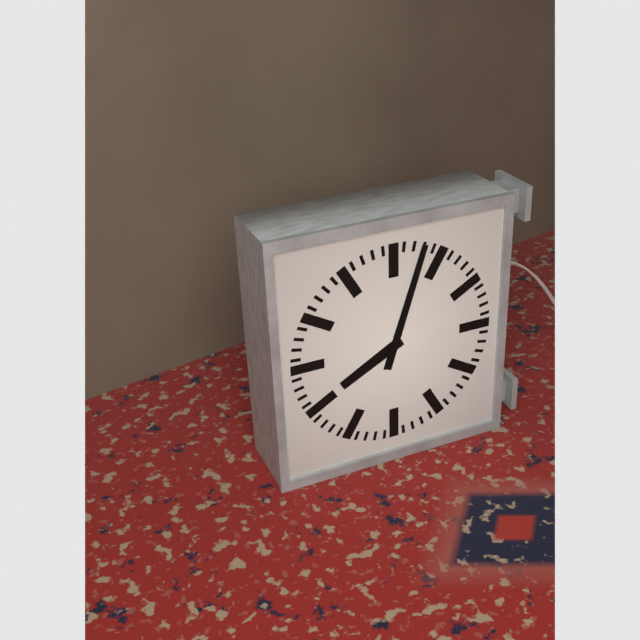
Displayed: 8 h 03 min
